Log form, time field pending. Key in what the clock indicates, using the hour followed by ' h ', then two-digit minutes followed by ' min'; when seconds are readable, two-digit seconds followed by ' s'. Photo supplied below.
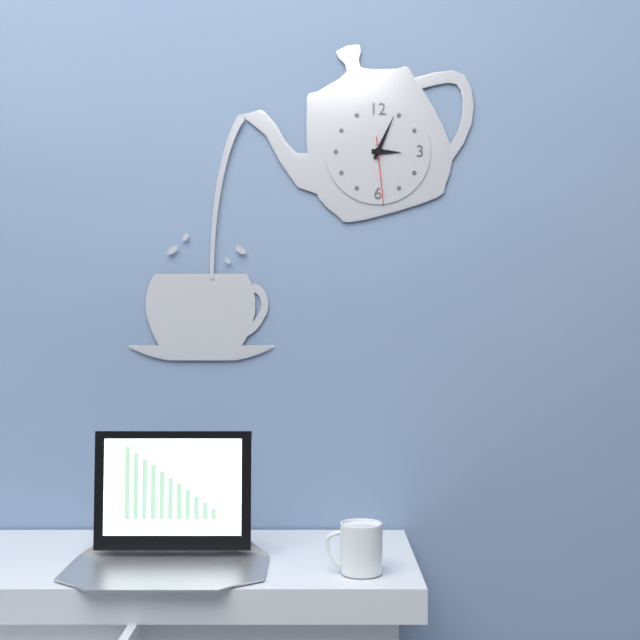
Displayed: 3 h 04 min 29 s
